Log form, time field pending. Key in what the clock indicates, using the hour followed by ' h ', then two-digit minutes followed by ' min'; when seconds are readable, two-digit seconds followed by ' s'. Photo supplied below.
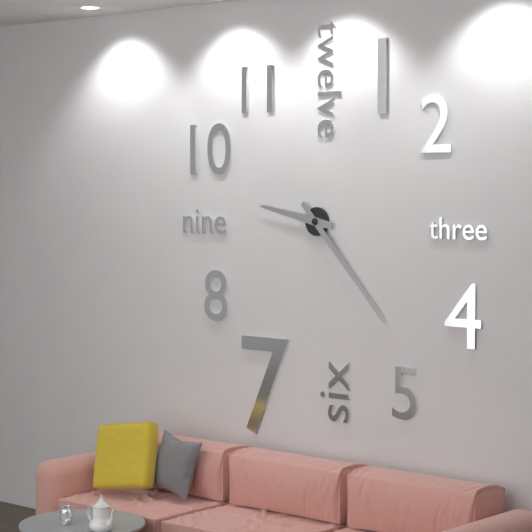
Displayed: 9 h 23 min
